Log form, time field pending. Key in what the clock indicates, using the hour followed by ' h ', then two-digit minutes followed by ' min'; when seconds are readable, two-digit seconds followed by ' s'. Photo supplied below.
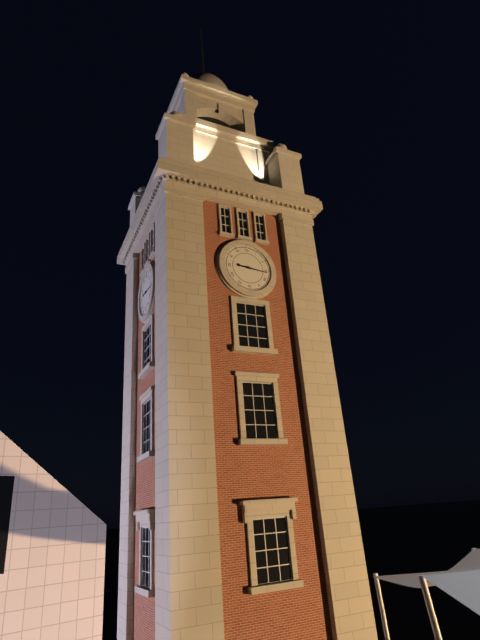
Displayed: 9 h 16 min
